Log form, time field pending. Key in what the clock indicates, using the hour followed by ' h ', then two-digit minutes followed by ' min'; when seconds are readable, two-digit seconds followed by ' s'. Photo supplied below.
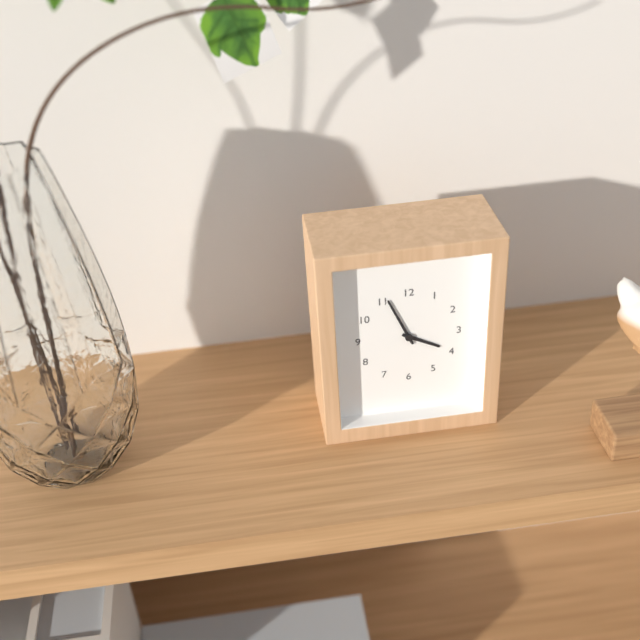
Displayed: 3 h 56 min
